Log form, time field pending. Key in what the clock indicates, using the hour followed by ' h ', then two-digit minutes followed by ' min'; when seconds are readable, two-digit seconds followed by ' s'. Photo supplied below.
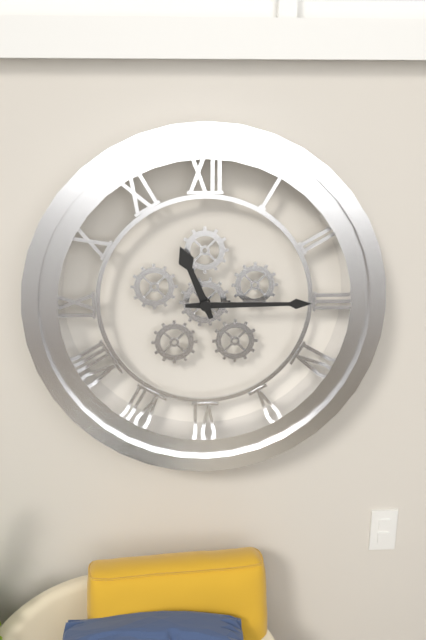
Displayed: 11 h 15 min
